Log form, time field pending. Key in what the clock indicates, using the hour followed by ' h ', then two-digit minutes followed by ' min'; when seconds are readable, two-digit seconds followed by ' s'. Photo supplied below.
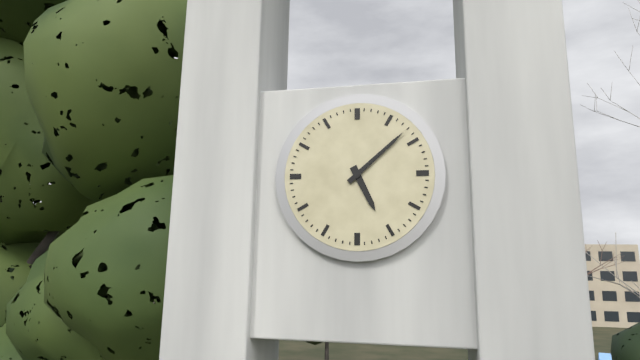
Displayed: 5 h 08 min
